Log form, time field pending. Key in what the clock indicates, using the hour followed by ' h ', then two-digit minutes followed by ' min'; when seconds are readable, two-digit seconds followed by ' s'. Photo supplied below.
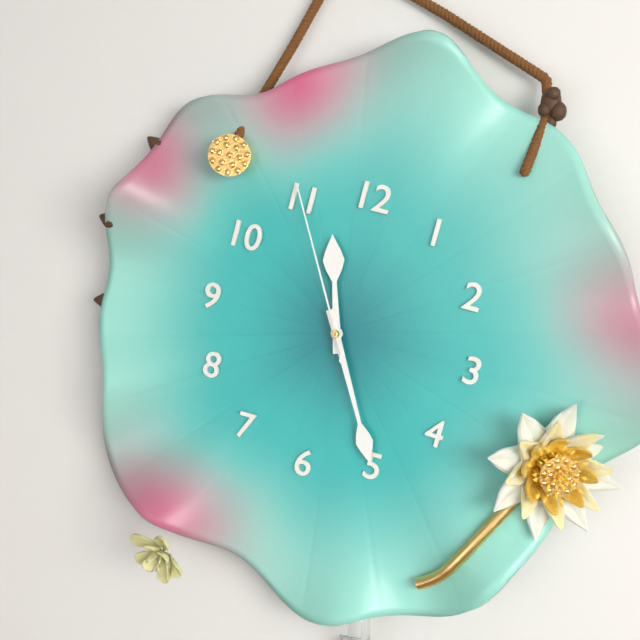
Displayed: 11 h 25 min 55 s
